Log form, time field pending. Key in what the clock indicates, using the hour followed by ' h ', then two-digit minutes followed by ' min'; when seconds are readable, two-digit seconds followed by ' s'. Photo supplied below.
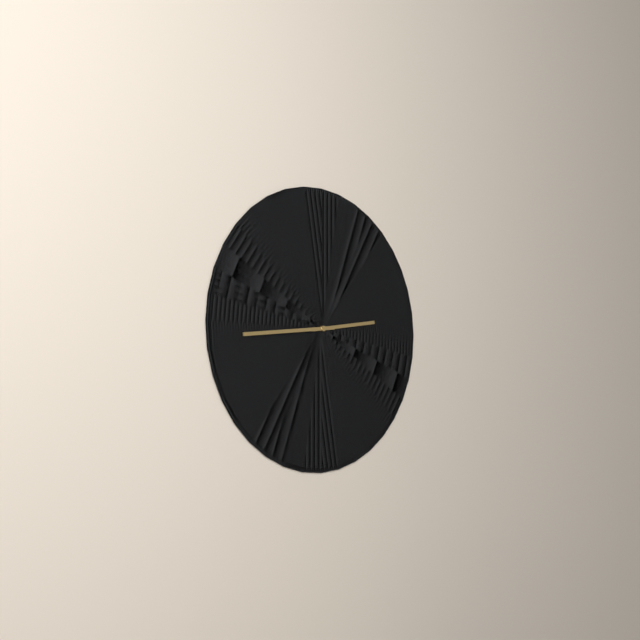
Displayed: 2 h 44 min
